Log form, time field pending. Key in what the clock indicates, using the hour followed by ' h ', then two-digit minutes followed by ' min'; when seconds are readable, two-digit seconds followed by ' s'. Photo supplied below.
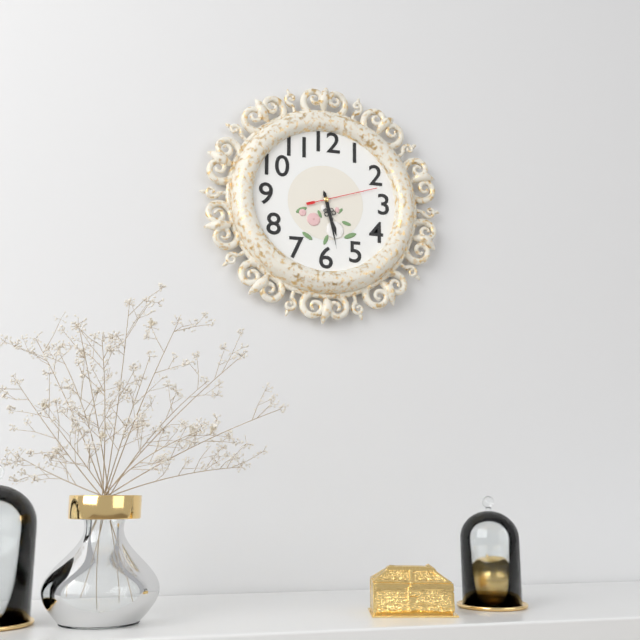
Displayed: 5 h 28 min 12 s
